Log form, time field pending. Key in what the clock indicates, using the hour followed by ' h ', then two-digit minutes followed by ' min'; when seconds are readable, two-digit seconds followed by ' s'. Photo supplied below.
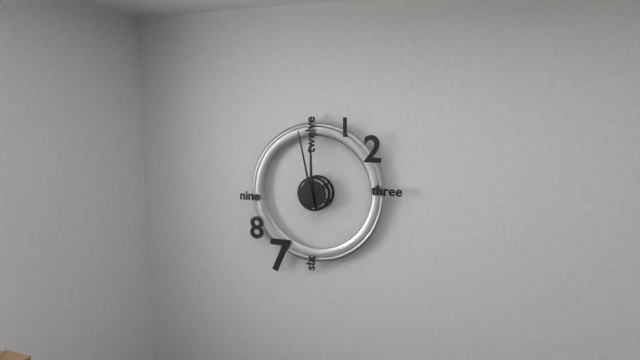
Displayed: 11 h 58 min
